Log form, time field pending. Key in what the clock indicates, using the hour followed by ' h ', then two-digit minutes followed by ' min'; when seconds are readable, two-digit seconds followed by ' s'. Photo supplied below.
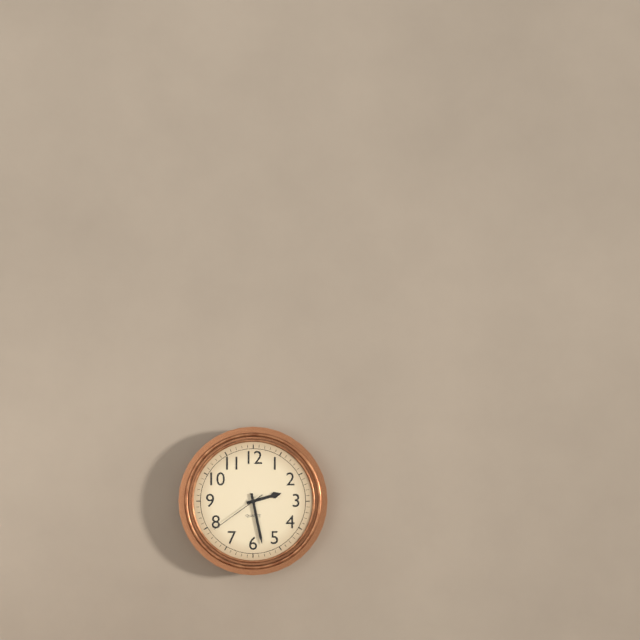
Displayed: 2 h 28 min 39 s
